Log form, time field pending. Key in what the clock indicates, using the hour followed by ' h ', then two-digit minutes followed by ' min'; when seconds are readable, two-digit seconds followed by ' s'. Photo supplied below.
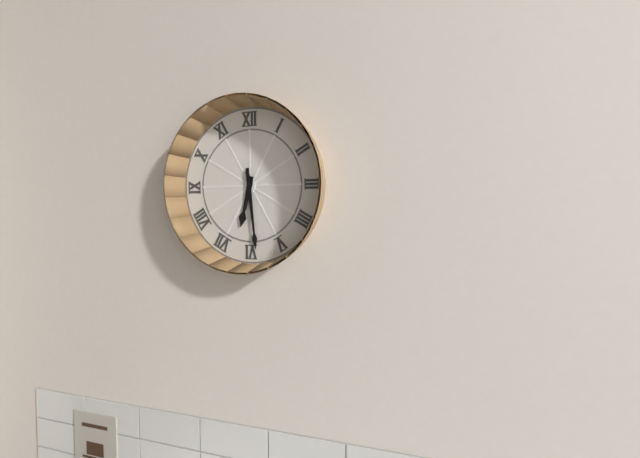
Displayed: 6 h 29 min
